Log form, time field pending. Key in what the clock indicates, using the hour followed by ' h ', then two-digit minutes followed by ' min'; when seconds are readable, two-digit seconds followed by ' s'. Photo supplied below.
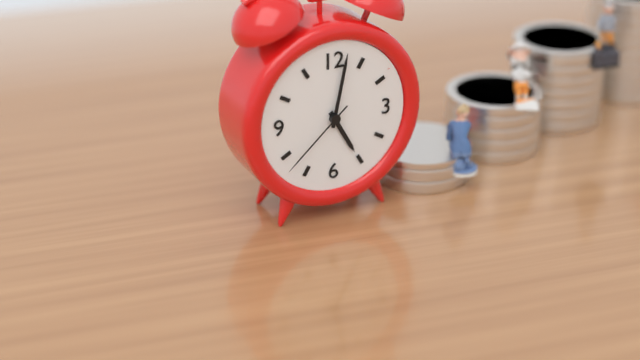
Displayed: 5 h 02 min 38 s
